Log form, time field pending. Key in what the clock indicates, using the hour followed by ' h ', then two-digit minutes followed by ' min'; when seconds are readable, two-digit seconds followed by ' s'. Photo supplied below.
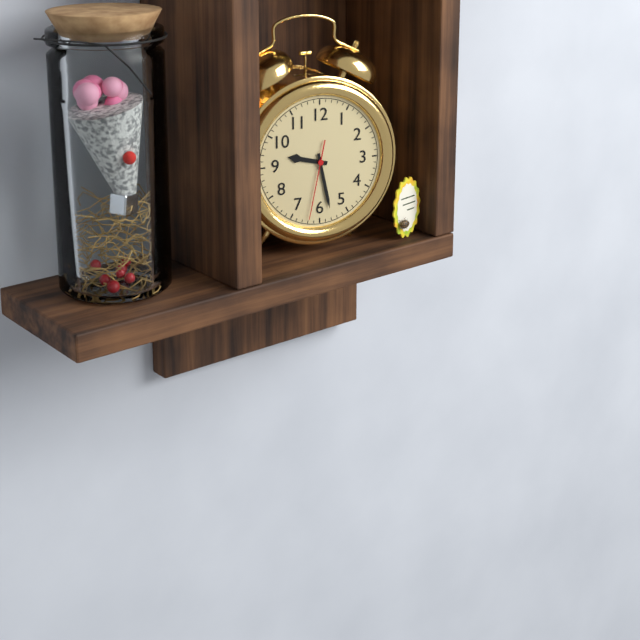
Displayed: 9 h 28 min 32 s
